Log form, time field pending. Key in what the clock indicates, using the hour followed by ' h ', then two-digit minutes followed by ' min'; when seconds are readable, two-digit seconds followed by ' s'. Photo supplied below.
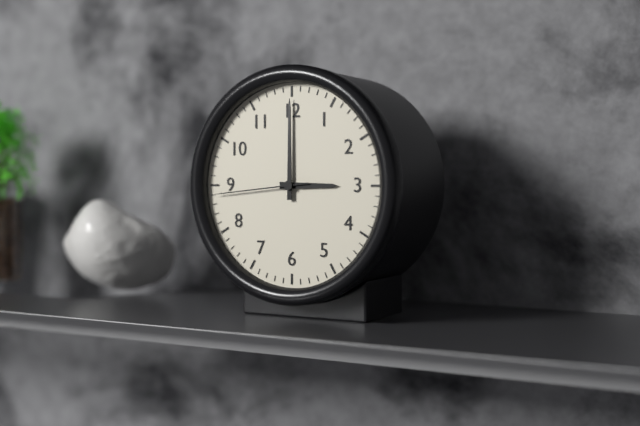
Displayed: 3 h 00 min 44 s
